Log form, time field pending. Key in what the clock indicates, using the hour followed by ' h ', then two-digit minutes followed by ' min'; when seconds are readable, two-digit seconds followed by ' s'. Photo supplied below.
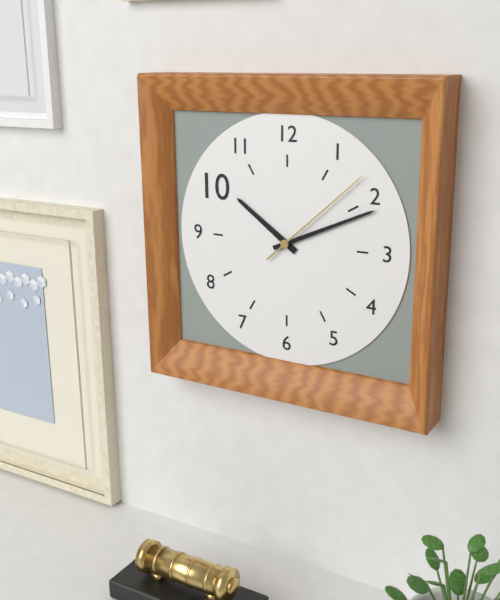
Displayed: 10 h 11 min 08 s
